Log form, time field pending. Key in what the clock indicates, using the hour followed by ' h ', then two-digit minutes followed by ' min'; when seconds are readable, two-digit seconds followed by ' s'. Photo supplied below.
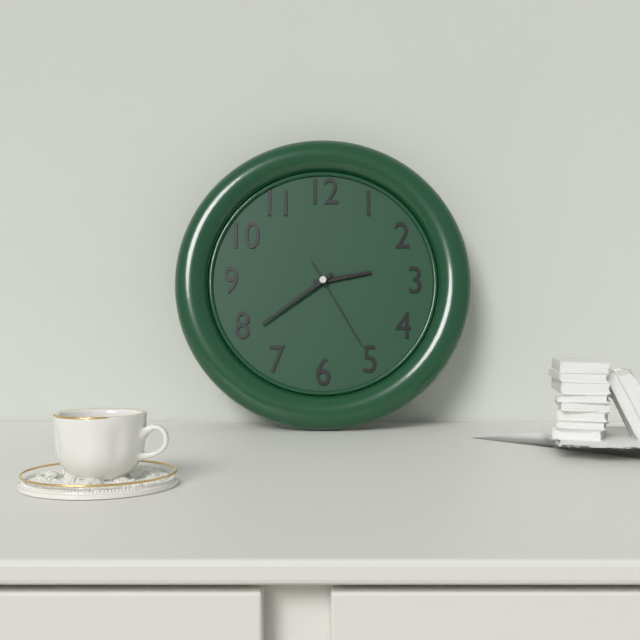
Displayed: 2 h 39 min 25 s
